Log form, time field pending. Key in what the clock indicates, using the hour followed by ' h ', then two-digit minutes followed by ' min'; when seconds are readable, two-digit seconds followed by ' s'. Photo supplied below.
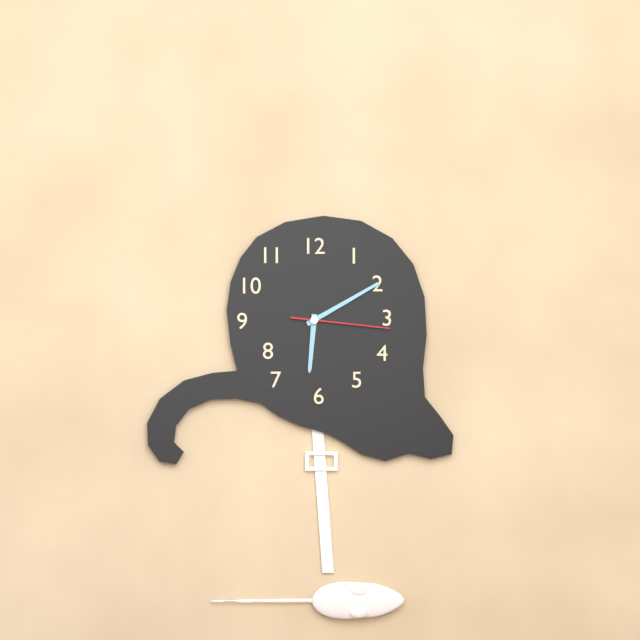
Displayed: 6 h 10 min 16 s
